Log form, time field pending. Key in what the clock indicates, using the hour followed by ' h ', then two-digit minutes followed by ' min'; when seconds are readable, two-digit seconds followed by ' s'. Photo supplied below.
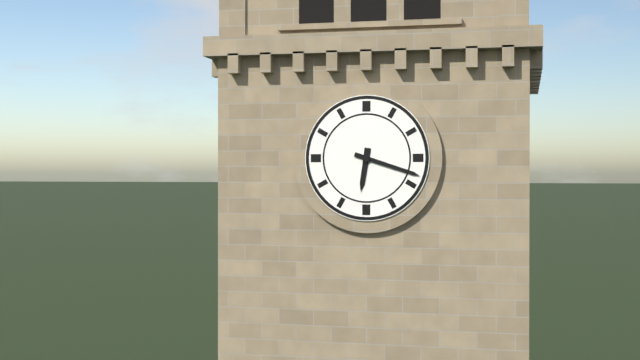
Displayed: 6 h 18 min
